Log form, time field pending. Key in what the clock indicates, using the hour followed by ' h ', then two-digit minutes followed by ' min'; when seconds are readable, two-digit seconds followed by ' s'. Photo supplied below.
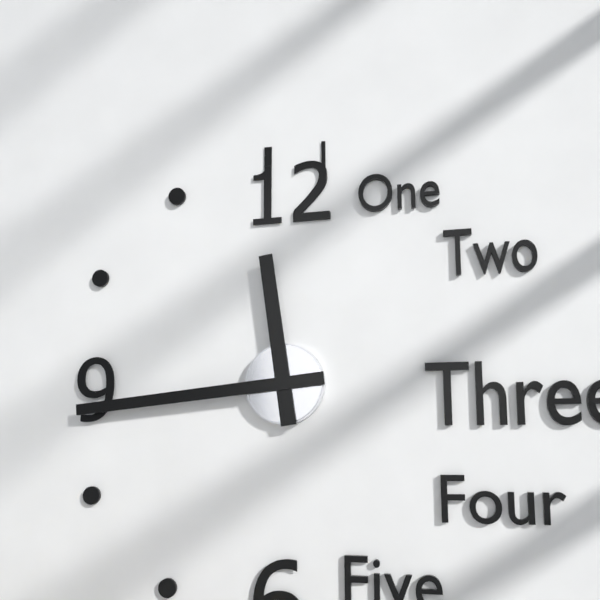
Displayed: 11 h 44 min
